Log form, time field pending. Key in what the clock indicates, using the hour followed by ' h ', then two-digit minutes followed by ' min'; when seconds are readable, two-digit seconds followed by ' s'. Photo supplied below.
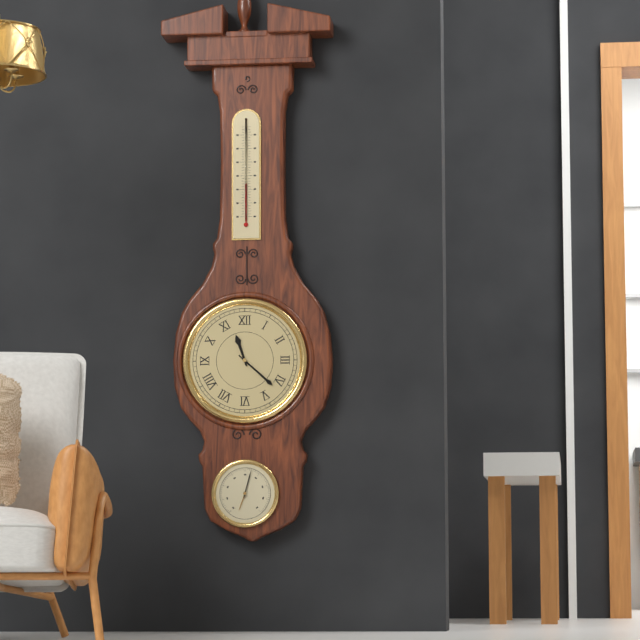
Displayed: 11 h 22 min
